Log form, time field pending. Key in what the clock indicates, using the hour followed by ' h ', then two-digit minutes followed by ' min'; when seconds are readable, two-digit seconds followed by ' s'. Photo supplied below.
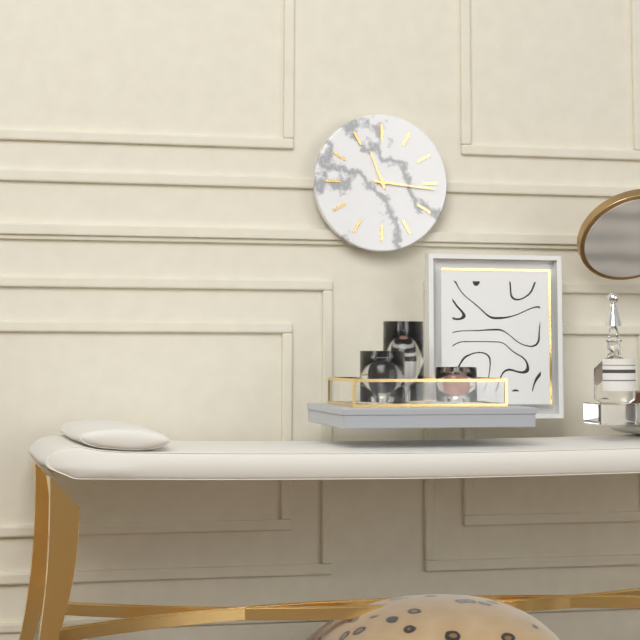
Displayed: 11 h 16 min
